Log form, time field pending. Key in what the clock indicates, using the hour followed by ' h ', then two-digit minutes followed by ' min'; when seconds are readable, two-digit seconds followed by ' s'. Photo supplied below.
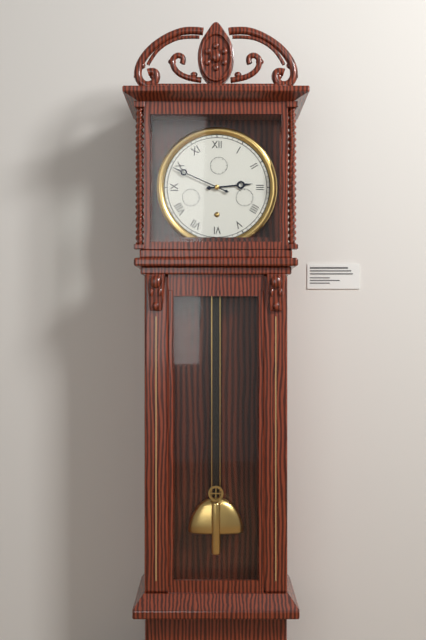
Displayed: 2 h 49 min
